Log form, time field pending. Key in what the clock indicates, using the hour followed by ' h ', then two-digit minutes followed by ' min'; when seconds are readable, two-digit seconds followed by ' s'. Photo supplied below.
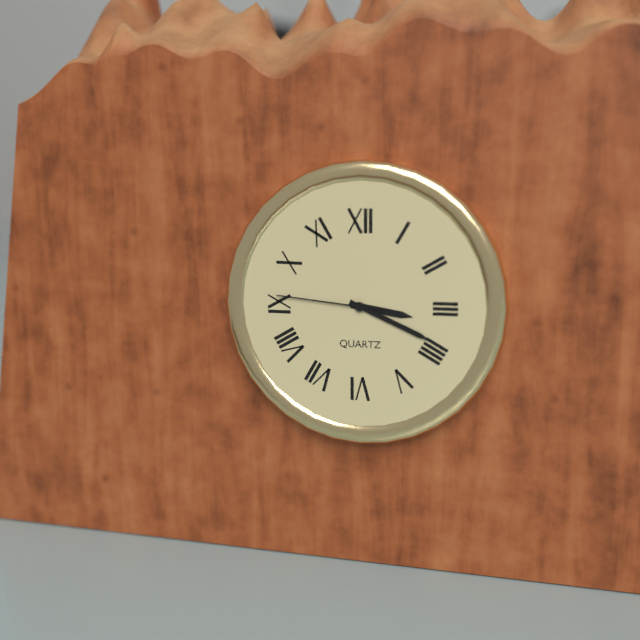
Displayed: 3 h 19 min 46 s
